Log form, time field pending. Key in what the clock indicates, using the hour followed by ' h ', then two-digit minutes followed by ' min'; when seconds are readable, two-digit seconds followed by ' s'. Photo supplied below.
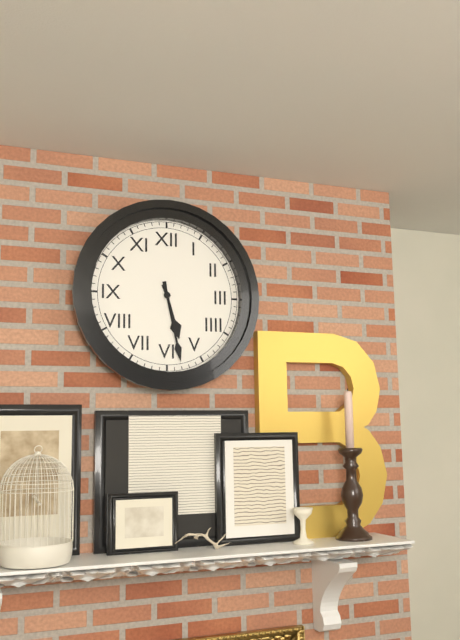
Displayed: 5 h 28 min
